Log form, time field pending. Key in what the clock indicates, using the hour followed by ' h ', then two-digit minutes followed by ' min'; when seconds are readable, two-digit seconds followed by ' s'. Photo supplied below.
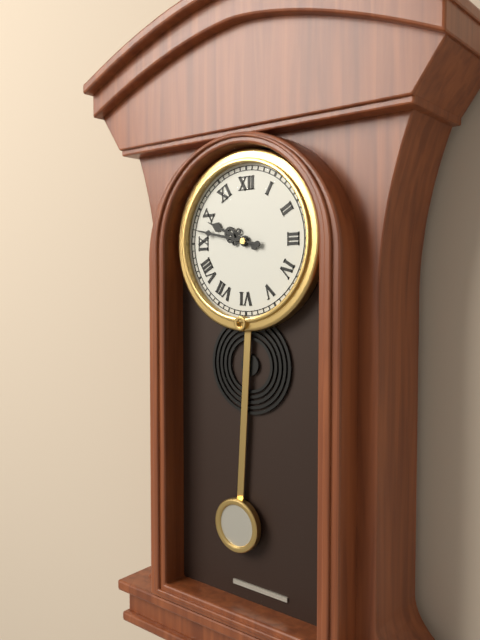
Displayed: 9 h 47 min
